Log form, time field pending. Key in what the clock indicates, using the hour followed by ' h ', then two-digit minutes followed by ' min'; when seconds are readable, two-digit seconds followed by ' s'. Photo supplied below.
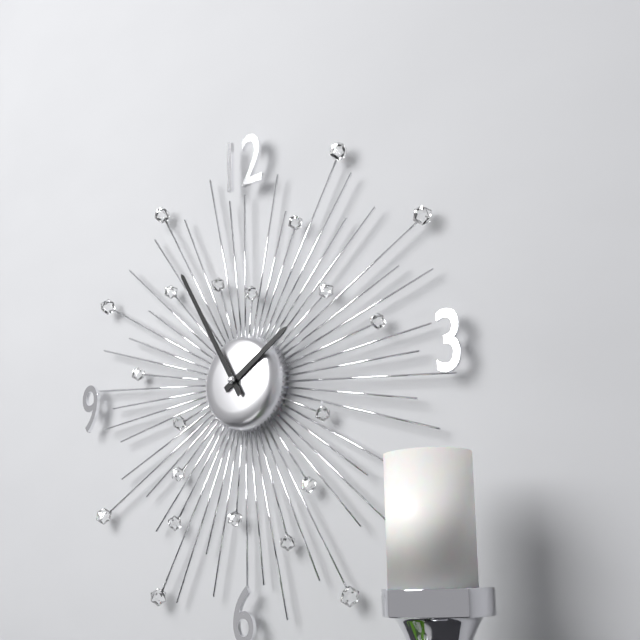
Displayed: 1 h 55 min
